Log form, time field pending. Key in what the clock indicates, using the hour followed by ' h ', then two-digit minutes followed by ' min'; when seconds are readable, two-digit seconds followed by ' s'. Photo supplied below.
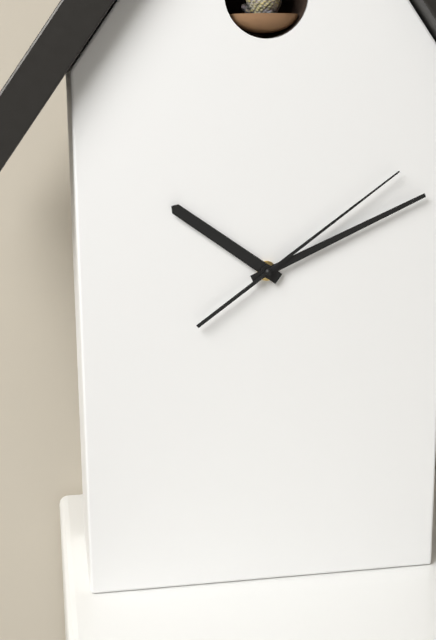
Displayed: 10 h 11 min 09 s
